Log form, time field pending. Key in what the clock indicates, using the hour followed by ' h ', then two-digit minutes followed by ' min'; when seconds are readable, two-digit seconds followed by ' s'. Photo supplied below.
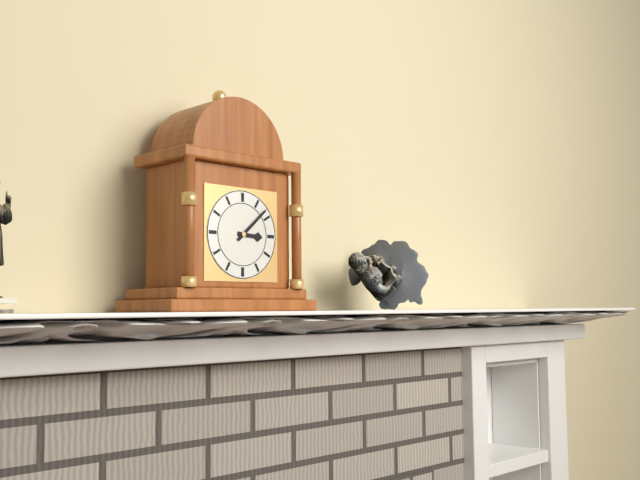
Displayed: 3 h 08 min
